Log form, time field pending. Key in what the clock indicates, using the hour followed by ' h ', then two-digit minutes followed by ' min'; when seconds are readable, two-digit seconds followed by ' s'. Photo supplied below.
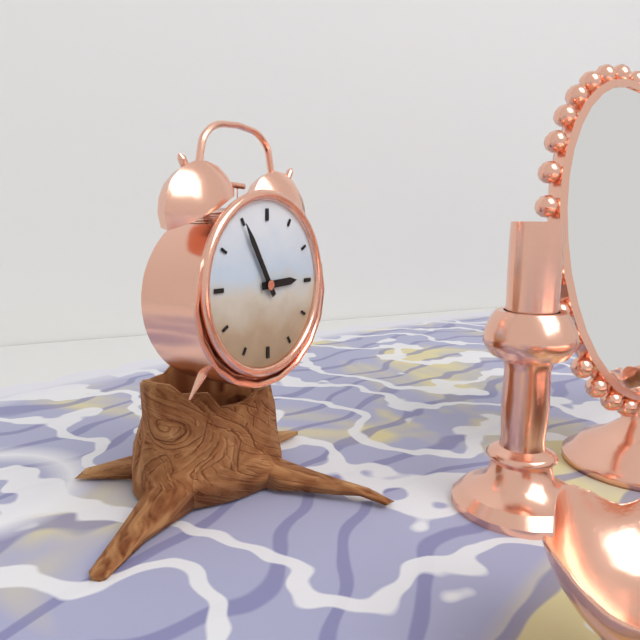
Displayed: 2 h 55 min
